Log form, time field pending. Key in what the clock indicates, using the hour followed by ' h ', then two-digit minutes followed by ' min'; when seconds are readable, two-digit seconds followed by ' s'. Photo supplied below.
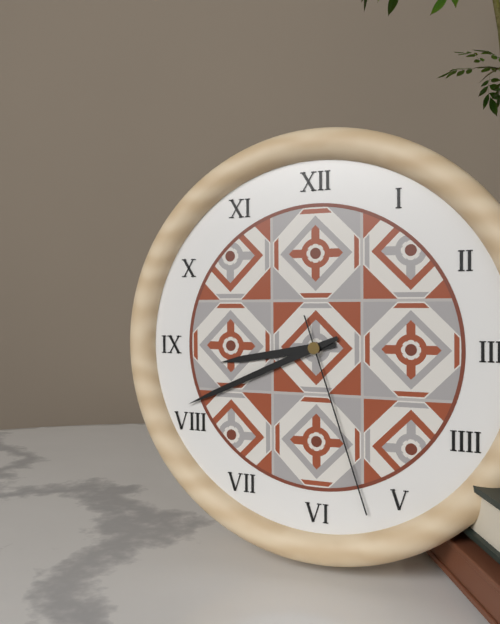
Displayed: 8 h 41 min 27 s
